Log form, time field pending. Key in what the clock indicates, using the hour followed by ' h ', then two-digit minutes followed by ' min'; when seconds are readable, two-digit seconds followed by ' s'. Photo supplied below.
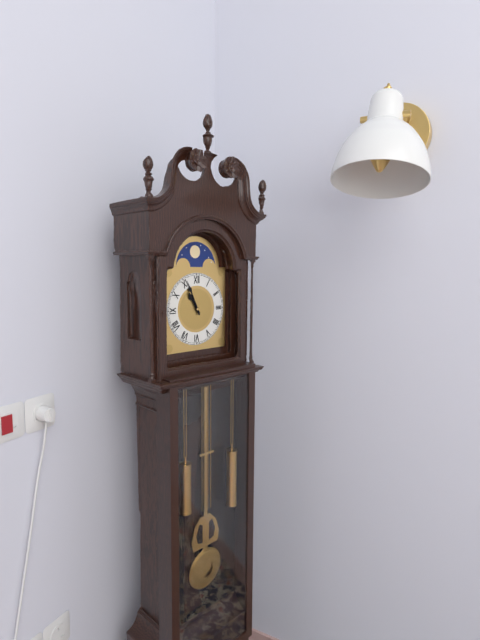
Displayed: 10 h 56 min
